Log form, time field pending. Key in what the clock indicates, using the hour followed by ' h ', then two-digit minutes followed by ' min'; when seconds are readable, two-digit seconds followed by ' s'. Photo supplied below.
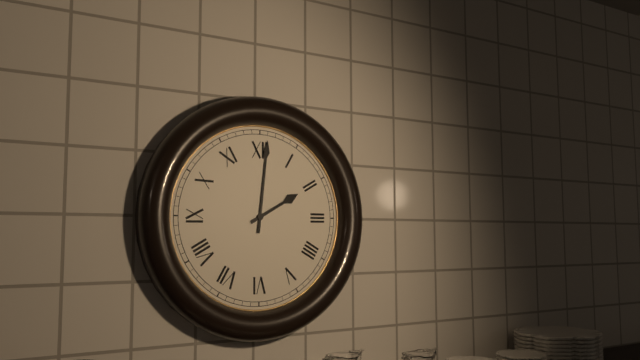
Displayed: 2 h 01 min
